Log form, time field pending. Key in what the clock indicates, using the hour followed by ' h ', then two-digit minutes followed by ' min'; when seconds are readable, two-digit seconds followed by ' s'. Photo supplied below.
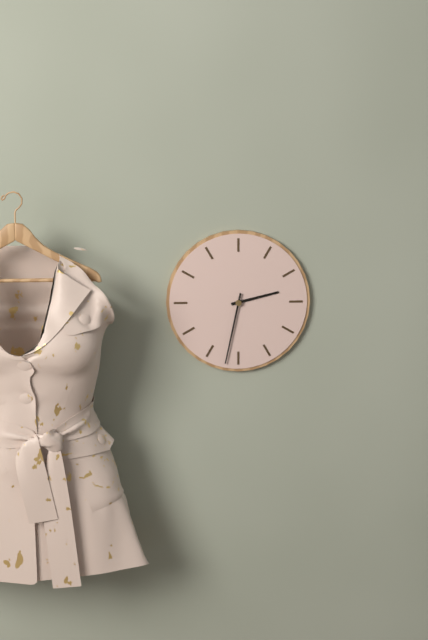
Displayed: 2 h 32 min
